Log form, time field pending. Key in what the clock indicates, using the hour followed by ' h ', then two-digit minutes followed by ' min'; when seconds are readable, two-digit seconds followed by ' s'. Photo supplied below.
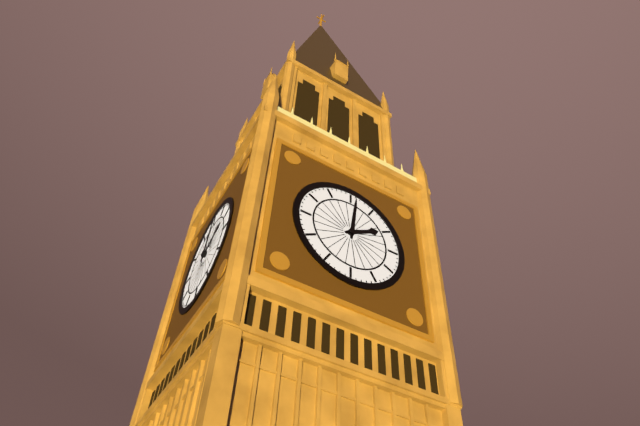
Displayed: 2 h 01 min
